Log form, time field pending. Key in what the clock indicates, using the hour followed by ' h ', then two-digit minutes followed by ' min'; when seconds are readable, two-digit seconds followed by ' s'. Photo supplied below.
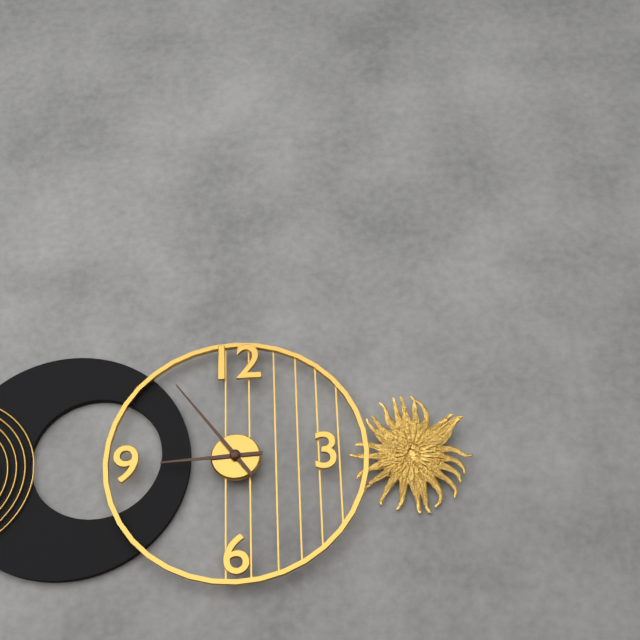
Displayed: 8 h 54 min
